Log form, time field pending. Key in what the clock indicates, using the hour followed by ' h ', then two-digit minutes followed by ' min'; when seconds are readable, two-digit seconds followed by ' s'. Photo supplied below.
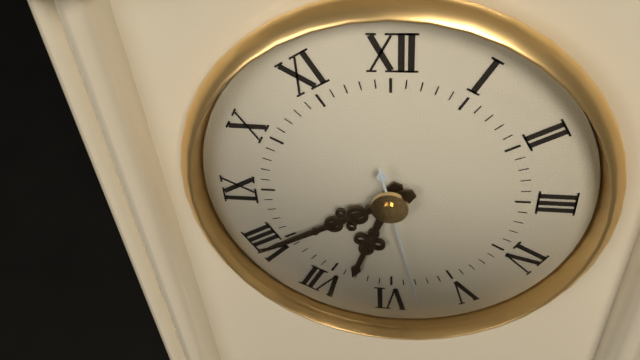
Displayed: 6 h 40 min 28 s
